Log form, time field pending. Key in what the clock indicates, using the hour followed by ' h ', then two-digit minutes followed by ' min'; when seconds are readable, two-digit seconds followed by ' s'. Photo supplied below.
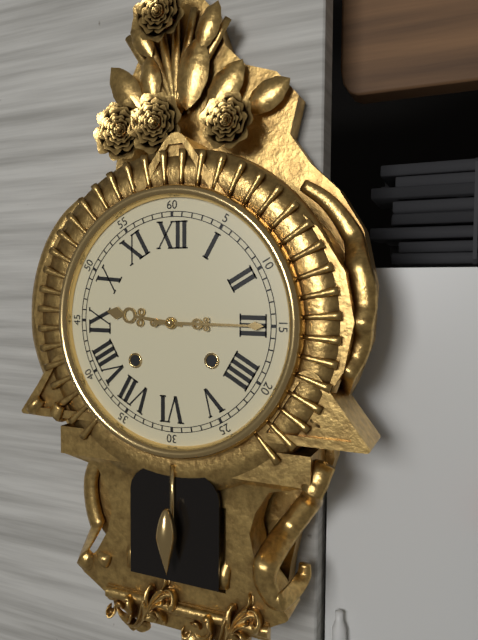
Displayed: 9 h 15 min
